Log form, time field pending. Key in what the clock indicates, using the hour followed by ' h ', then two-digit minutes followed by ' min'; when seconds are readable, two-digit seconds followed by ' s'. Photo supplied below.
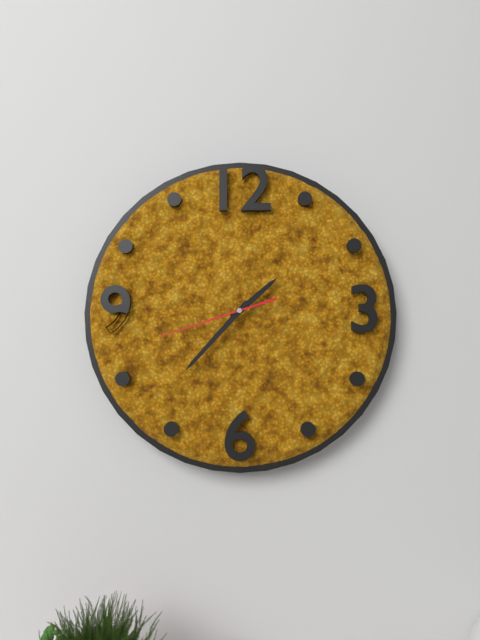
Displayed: 1 h 37 min 42 s
